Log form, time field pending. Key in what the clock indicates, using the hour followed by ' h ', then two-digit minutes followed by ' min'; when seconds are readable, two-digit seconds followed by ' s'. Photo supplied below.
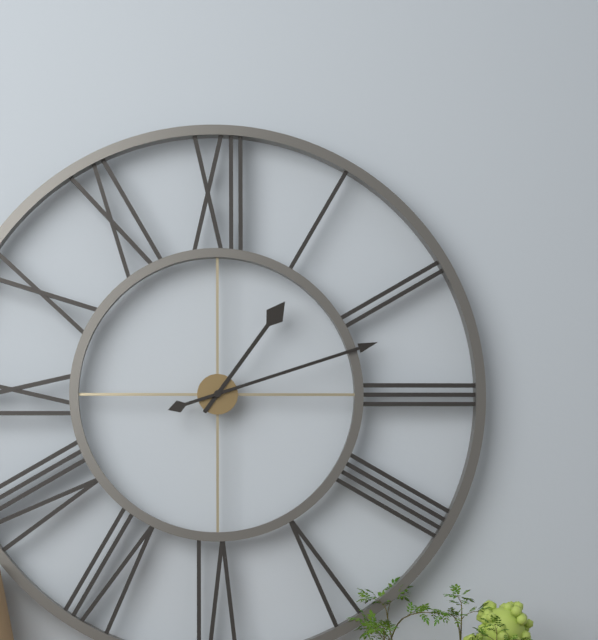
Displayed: 1 h 12 min
